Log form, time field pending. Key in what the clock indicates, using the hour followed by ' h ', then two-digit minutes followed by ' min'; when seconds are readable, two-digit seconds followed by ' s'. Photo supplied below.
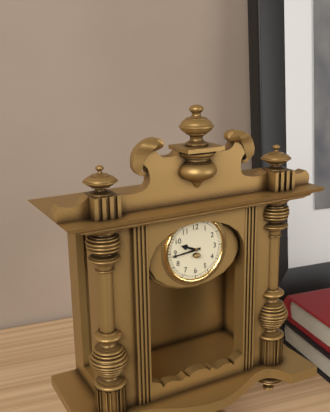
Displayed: 9 h 44 min
